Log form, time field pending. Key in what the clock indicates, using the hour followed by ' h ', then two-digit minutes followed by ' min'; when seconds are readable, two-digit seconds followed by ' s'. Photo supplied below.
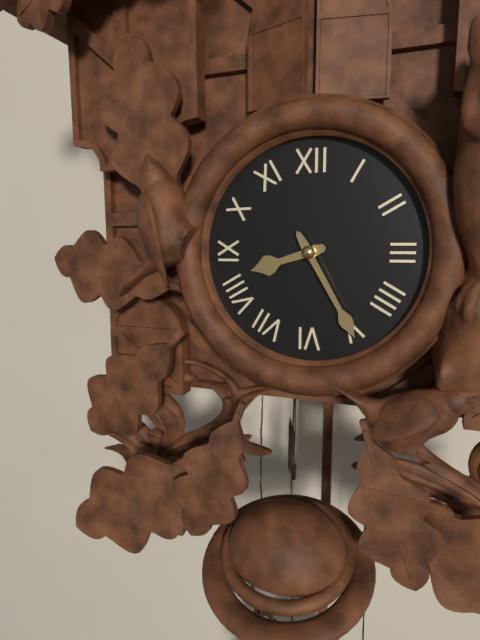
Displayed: 8 h 25 min
